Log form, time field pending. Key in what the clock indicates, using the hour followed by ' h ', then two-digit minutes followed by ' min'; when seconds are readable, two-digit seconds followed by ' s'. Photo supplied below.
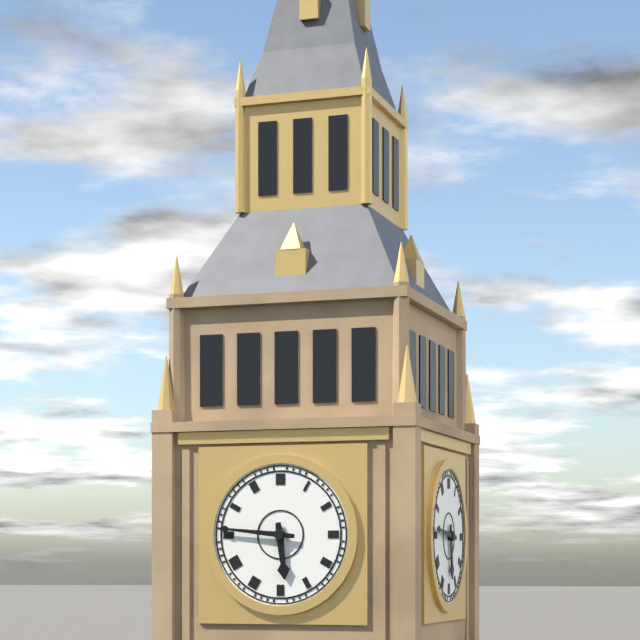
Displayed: 5 h 46 min
